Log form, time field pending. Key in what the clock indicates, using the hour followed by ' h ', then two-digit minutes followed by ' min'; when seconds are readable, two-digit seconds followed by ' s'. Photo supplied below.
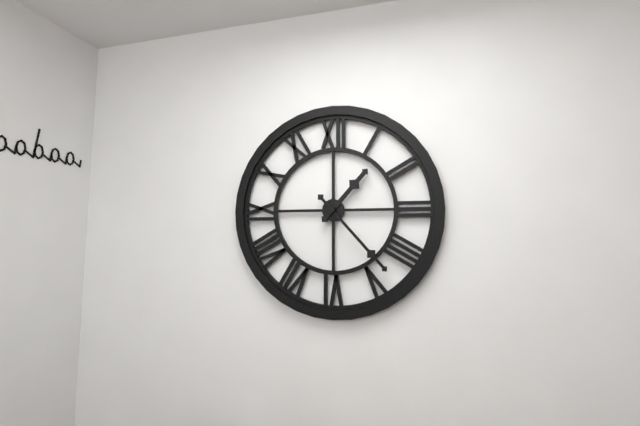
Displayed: 1 h 23 min
